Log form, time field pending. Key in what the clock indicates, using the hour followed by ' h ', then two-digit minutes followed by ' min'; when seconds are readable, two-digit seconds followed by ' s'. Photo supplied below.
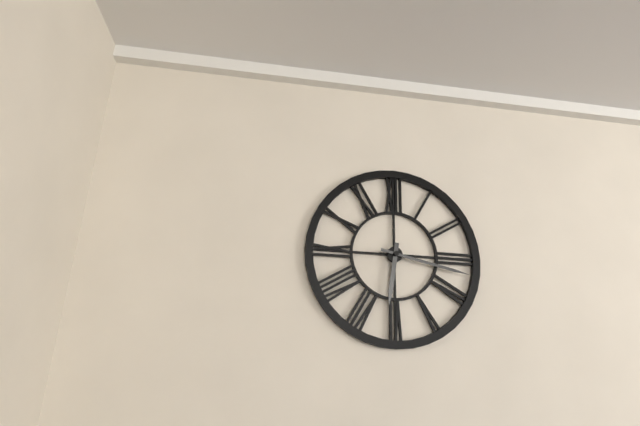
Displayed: 6 h 17 min
